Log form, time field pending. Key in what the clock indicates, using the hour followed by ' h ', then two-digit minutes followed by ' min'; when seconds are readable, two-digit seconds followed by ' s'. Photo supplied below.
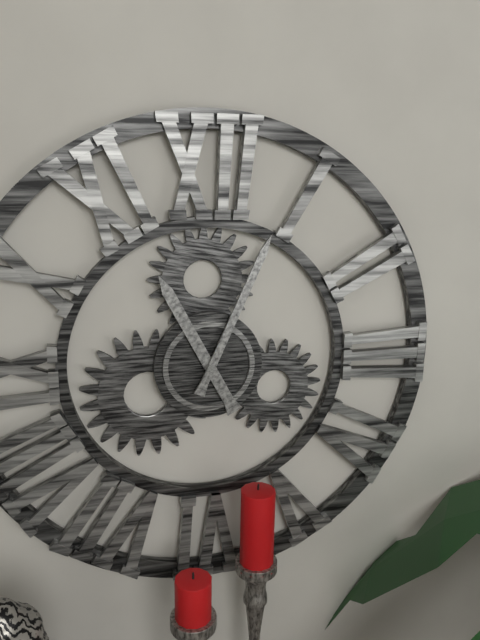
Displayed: 11 h 04 min
